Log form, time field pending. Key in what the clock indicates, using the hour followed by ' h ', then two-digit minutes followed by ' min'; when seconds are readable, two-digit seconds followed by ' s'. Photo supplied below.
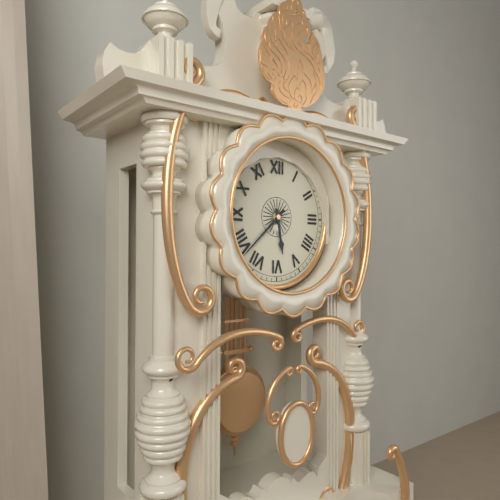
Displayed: 5 h 38 min
